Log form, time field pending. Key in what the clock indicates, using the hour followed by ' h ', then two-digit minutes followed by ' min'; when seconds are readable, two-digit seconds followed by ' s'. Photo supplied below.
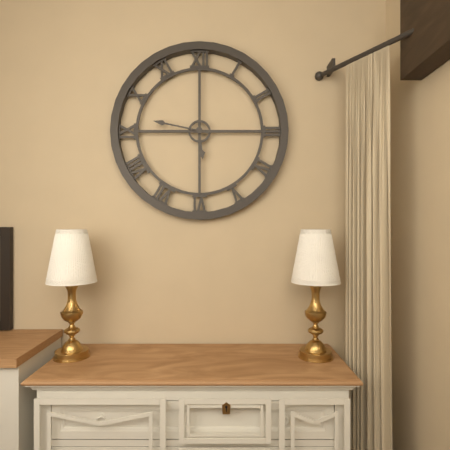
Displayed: 5 h 47 min
